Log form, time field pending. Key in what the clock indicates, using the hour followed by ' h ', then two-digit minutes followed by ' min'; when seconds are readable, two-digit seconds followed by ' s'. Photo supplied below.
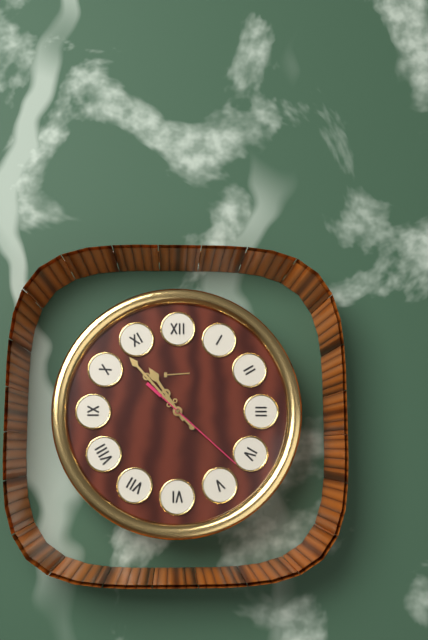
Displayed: 10 h 53 min 22 s
